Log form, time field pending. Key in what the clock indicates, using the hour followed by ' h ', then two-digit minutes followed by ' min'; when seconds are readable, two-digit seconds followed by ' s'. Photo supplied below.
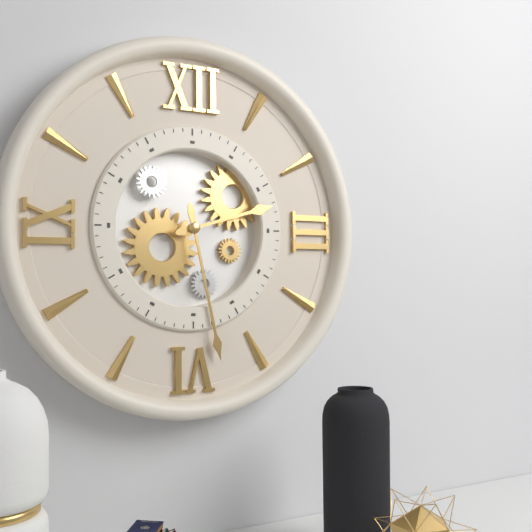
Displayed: 2 h 28 min
